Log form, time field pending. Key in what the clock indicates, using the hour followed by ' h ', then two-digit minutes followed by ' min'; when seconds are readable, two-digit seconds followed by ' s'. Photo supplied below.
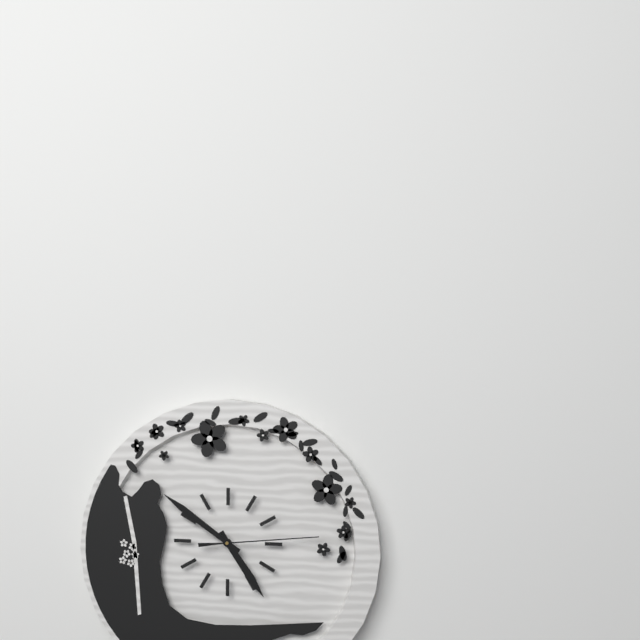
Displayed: 4 h 51 min 14 s
